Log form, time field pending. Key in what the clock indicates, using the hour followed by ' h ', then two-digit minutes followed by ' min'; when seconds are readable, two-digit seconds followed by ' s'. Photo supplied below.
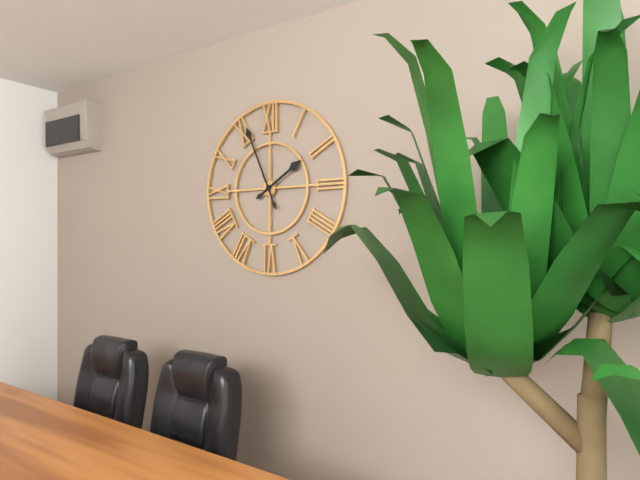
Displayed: 1 h 56 min
